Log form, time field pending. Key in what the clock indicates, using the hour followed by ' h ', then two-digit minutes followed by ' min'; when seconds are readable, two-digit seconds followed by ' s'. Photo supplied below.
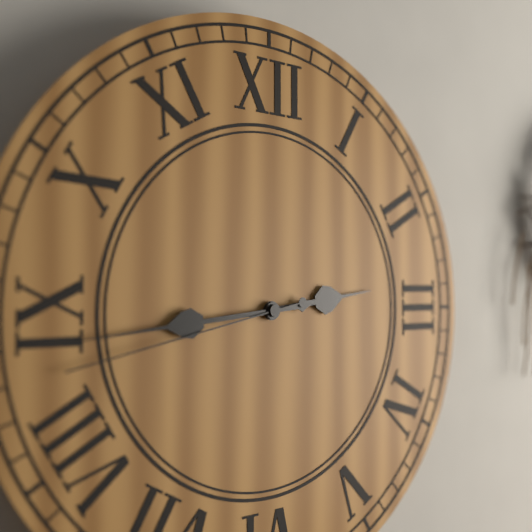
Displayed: 2 h 44 min 43 s
